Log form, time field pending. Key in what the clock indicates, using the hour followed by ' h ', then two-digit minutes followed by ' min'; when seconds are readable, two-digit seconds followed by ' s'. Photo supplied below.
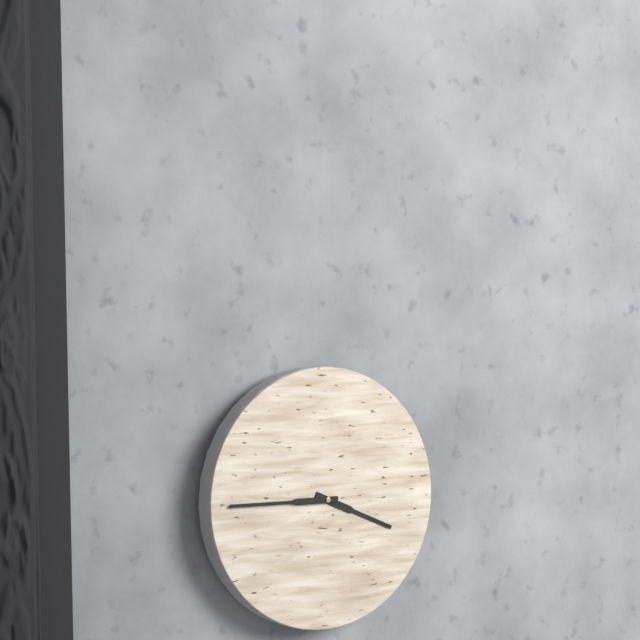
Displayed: 3 h 45 min
